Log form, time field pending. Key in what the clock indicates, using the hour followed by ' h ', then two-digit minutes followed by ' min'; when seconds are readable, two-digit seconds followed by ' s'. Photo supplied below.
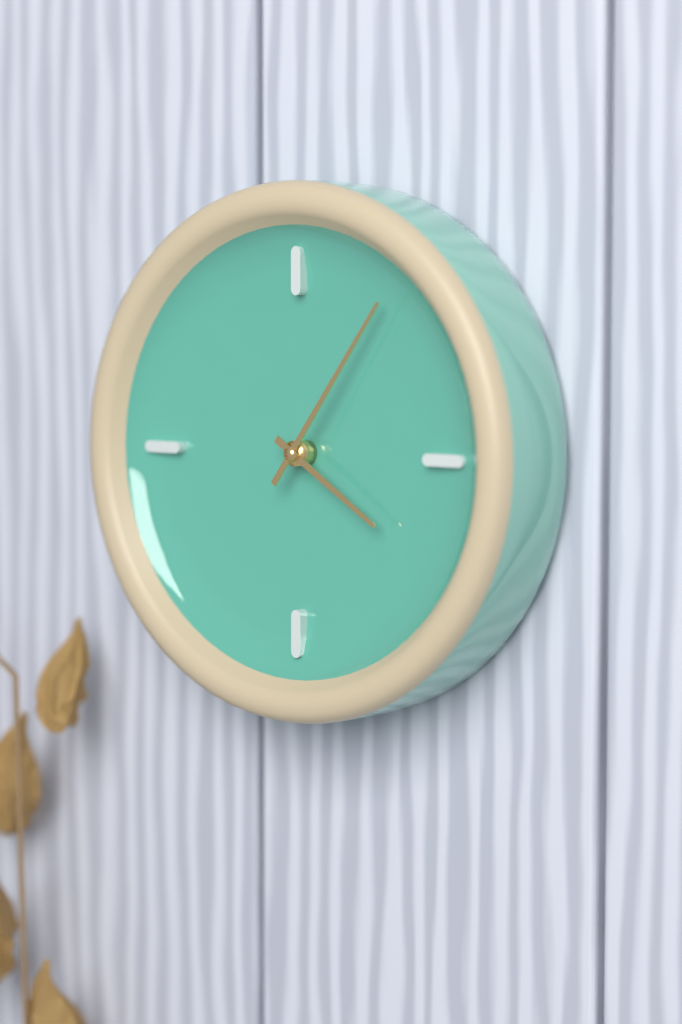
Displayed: 4 h 06 min
